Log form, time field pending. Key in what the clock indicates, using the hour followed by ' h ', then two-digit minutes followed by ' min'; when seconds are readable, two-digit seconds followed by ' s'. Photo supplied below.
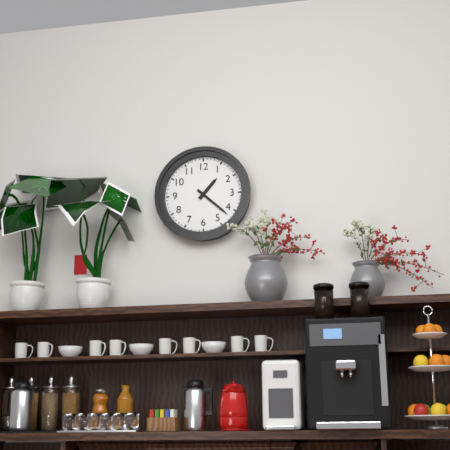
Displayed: 1 h 22 min
